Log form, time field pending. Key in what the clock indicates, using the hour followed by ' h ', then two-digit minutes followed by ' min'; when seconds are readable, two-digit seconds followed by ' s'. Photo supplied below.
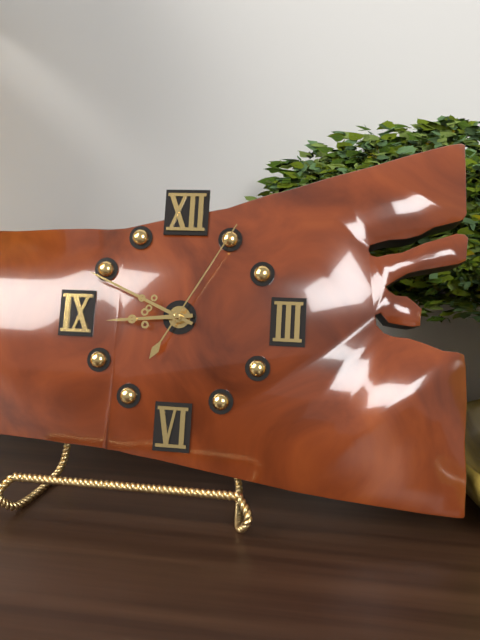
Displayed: 8 h 49 min 05 s
